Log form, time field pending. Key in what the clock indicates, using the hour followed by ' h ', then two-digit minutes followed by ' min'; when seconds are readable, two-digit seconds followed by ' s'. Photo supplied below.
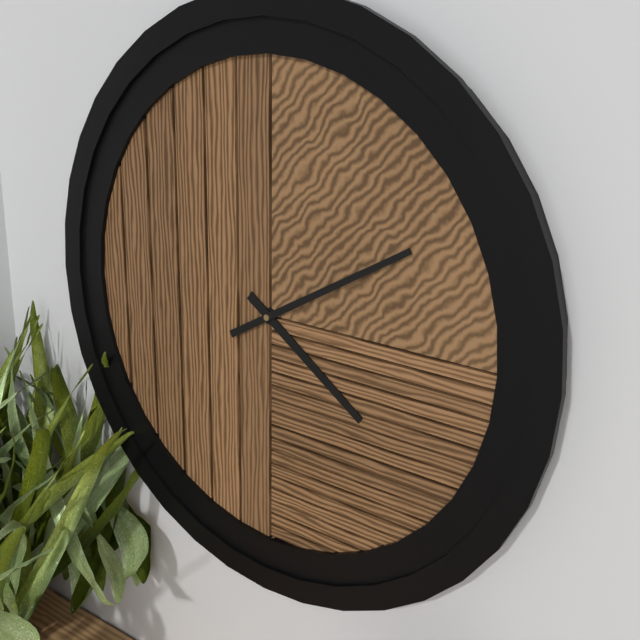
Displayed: 4 h 10 min
